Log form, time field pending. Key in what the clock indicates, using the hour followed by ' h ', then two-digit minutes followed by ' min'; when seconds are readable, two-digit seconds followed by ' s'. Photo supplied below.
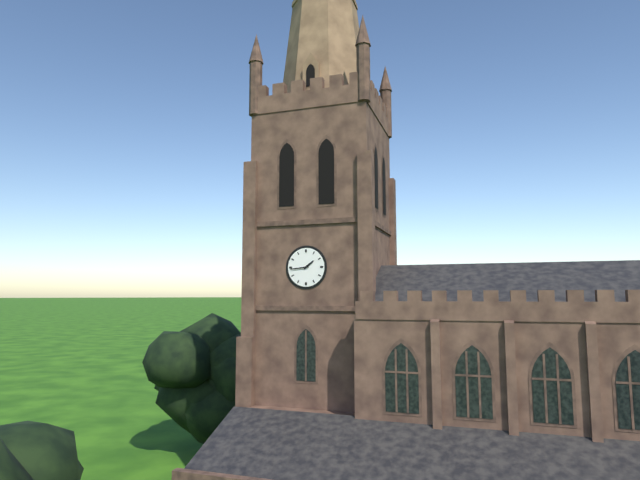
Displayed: 1 h 44 min
